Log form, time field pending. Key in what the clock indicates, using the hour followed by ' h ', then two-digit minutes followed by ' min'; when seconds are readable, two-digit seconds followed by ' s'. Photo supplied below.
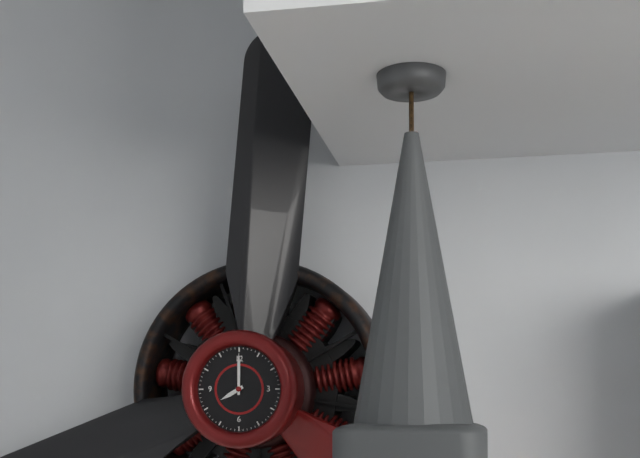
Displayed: 8 h 00 min
